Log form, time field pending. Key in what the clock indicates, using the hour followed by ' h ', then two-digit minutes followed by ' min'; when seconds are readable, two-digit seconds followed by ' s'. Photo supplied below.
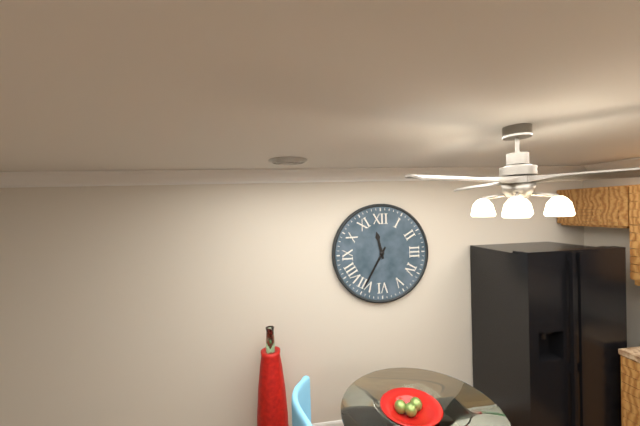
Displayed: 11 h 35 min
